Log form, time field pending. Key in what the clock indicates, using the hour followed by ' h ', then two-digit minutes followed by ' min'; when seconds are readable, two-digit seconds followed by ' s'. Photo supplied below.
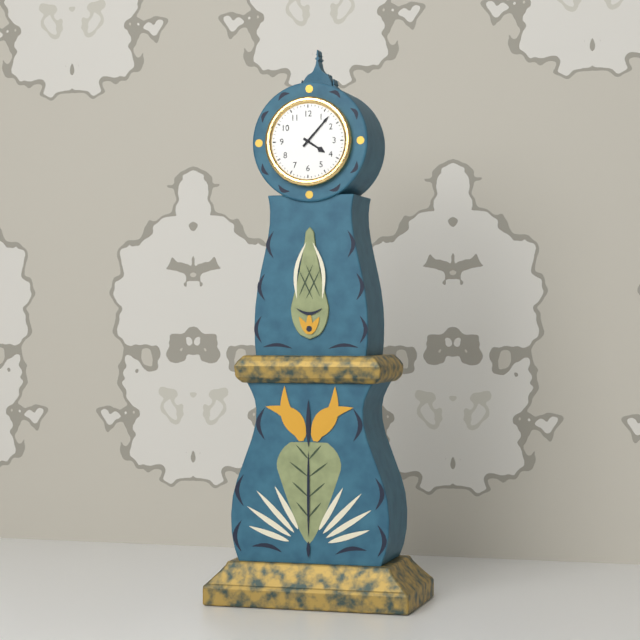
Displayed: 4 h 07 min
